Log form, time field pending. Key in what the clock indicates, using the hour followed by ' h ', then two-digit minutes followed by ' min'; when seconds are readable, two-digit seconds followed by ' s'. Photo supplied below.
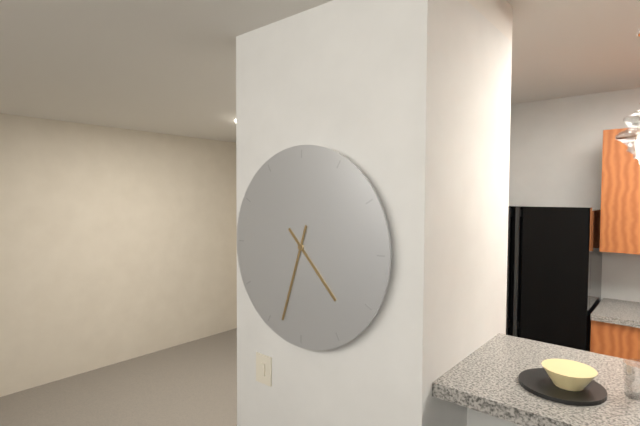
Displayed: 4 h 33 min
